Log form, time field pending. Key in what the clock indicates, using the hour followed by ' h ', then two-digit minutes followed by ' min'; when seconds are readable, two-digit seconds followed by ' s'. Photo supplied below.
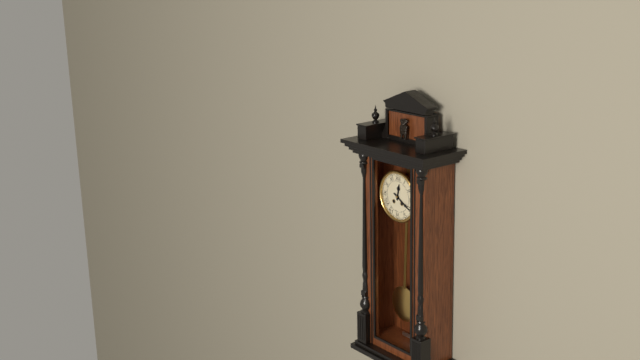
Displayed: 12 h 20 min
